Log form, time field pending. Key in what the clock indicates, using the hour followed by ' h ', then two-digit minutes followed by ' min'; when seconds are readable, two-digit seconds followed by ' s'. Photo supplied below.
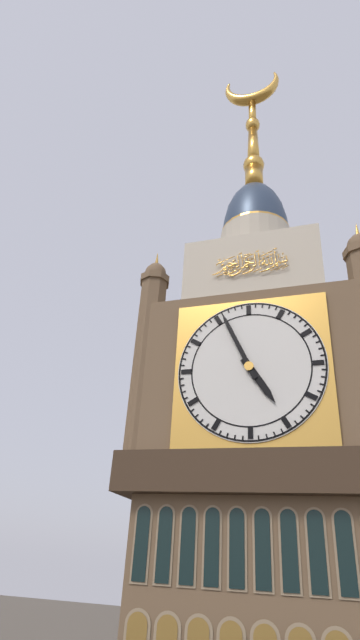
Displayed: 4 h 56 min
